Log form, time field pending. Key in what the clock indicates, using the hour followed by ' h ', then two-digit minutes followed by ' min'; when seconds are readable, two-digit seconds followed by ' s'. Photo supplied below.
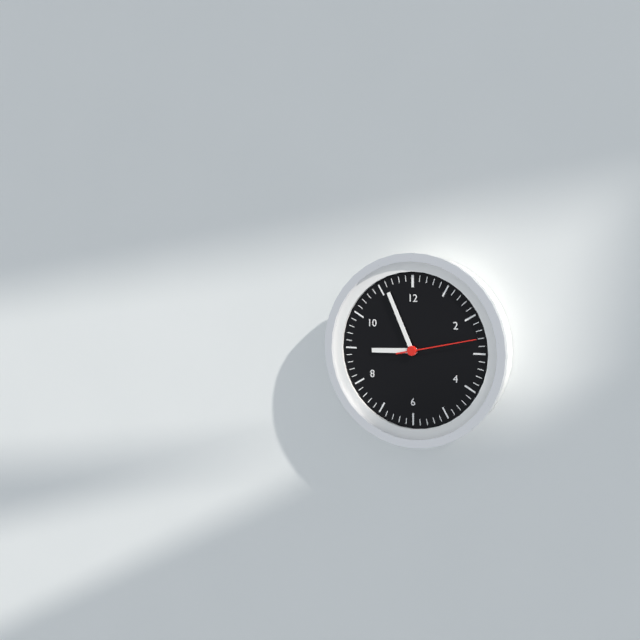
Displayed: 8 h 56 min 13 s
